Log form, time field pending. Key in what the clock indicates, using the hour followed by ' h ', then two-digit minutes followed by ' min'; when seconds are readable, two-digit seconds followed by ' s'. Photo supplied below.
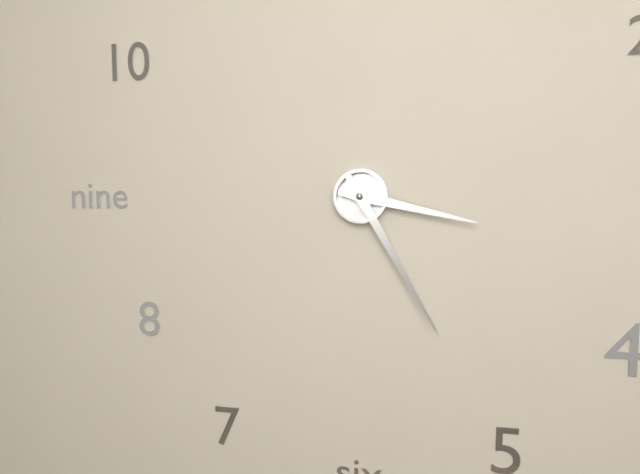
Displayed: 3 h 25 min
